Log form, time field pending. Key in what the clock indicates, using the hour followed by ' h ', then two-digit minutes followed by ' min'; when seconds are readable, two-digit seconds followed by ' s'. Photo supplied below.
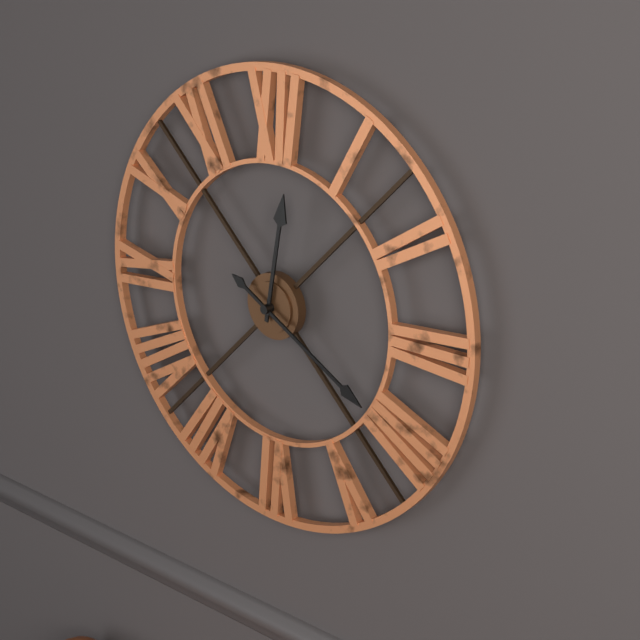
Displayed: 12 h 20 min
